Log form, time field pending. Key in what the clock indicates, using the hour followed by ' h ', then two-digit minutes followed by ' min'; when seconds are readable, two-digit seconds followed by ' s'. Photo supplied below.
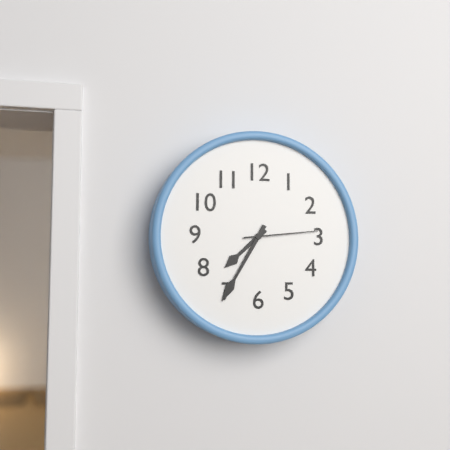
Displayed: 7 h 35 min 14 s
